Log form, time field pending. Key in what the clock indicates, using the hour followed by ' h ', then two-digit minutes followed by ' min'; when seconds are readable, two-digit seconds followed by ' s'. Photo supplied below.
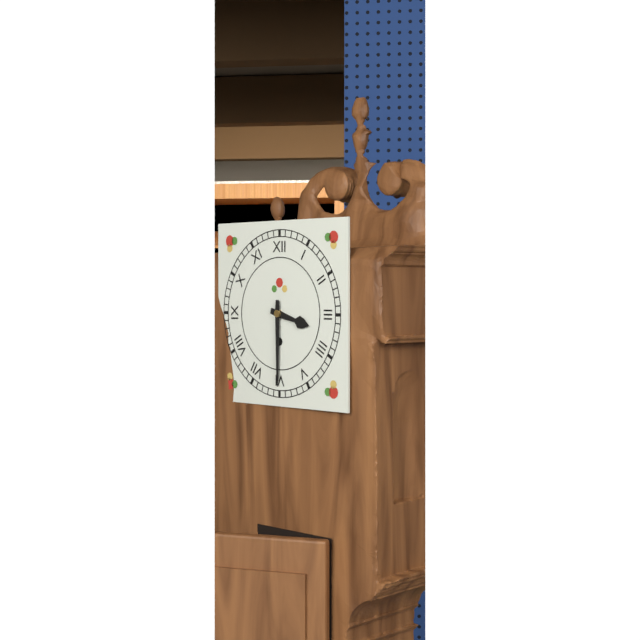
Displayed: 3 h 30 min
